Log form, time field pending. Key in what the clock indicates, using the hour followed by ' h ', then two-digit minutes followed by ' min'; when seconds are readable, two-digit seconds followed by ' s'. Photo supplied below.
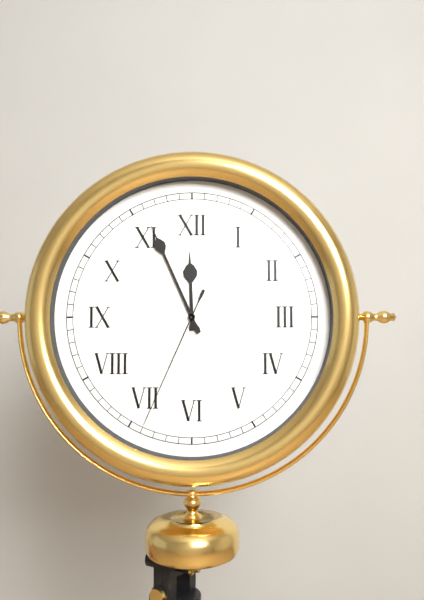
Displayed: 11 h 56 min 34 s
